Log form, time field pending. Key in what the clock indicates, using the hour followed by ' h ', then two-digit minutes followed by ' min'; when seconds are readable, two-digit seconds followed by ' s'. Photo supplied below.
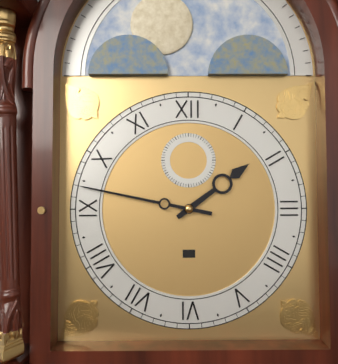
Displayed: 1 h 47 min
